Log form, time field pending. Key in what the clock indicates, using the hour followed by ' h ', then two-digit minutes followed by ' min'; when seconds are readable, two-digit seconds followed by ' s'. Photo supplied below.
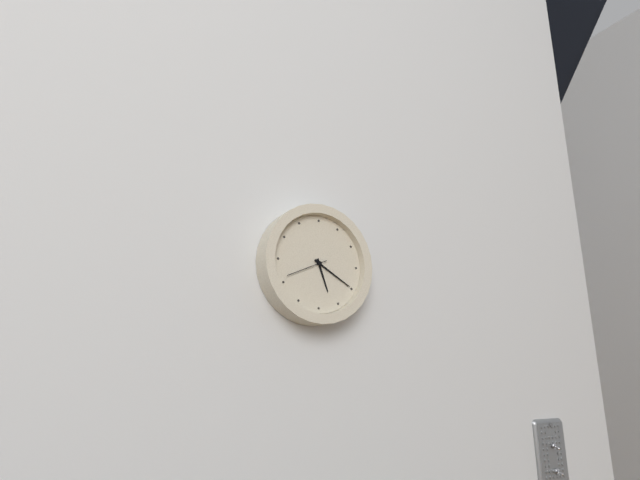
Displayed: 5 h 20 min
